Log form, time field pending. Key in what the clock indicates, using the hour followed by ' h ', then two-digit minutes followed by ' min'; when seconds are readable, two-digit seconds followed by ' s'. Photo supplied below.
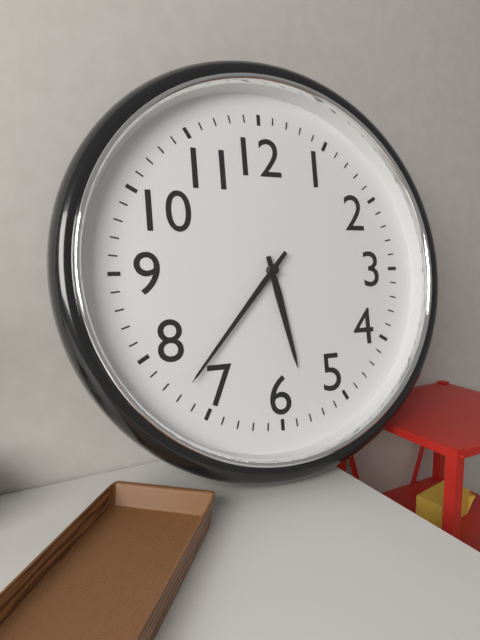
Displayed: 5 h 37 min
